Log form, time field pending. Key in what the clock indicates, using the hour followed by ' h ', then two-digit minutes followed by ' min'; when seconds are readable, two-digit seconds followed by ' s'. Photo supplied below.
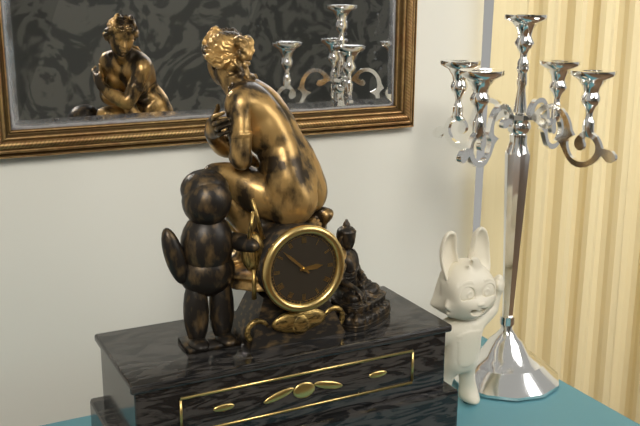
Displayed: 2 h 52 min
